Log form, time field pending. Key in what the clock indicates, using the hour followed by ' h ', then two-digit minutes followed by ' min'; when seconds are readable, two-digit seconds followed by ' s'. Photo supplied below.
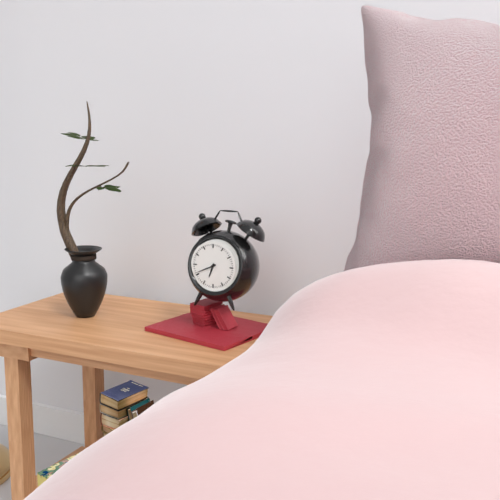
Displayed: 6 h 41 min
